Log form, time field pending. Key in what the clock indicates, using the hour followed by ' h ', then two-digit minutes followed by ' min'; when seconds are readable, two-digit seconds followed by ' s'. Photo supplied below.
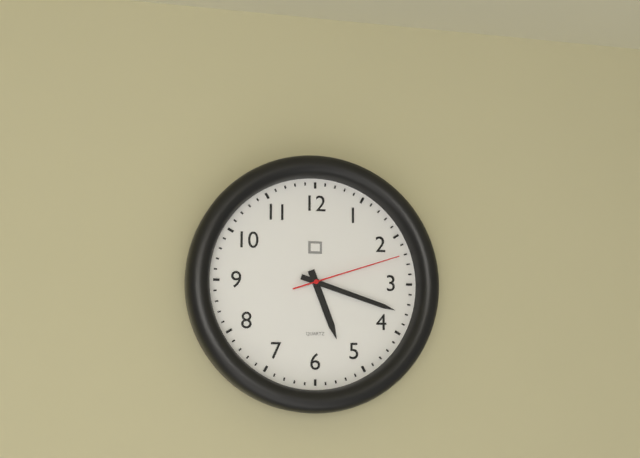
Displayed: 5 h 18 min 12 s
